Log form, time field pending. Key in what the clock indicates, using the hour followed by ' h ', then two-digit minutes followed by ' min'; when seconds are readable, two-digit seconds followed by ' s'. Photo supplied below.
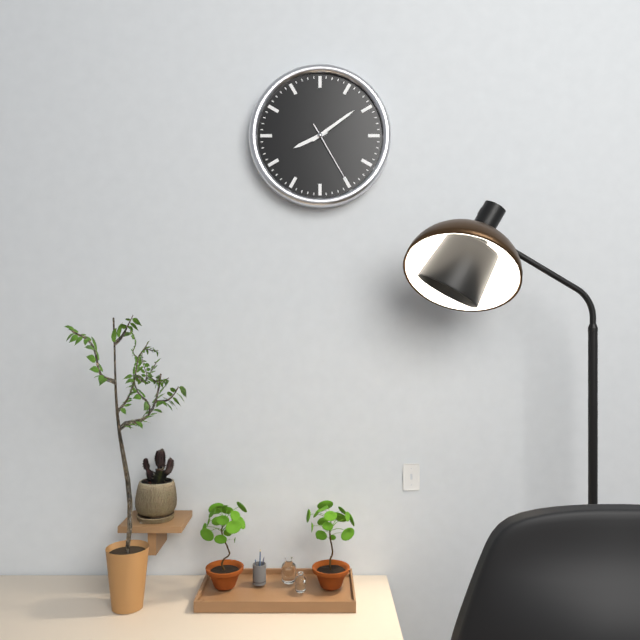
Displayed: 8 h 09 min 25 s
